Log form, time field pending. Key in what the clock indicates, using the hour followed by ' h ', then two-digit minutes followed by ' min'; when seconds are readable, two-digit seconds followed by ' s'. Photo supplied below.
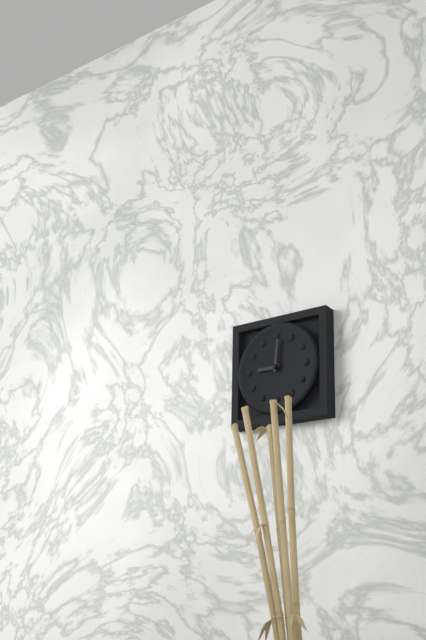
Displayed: 9 h 01 min
